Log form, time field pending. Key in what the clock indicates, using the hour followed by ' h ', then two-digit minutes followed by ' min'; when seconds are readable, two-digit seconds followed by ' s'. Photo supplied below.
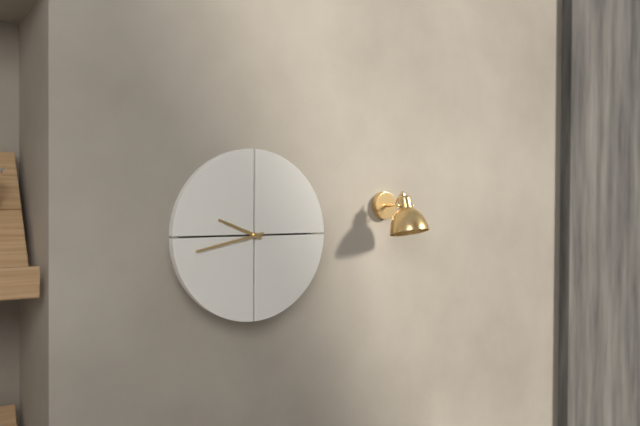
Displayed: 9 h 43 min
